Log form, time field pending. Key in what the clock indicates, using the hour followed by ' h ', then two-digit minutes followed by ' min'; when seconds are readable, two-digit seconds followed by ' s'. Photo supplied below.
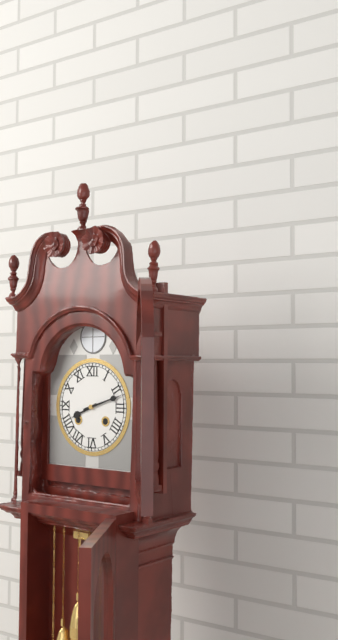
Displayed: 8 h 12 min
